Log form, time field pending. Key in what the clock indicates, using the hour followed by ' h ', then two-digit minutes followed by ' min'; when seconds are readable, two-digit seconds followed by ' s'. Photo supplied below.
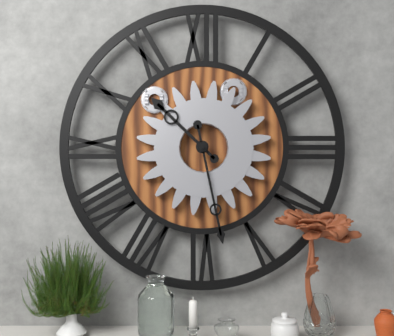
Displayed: 10 h 28 min
